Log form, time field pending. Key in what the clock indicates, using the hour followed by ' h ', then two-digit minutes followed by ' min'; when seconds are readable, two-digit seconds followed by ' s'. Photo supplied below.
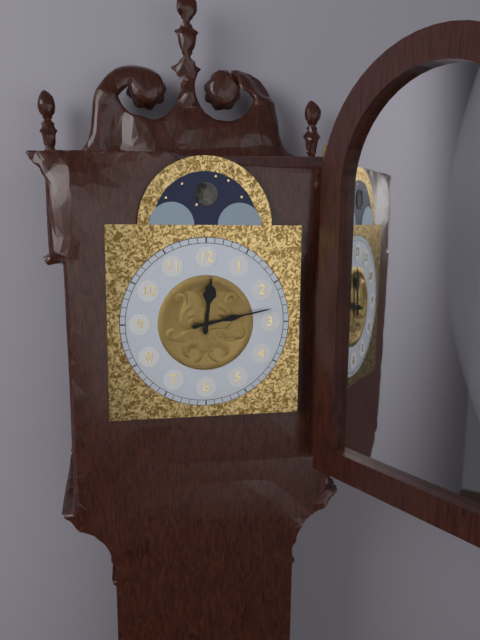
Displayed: 12 h 13 min
